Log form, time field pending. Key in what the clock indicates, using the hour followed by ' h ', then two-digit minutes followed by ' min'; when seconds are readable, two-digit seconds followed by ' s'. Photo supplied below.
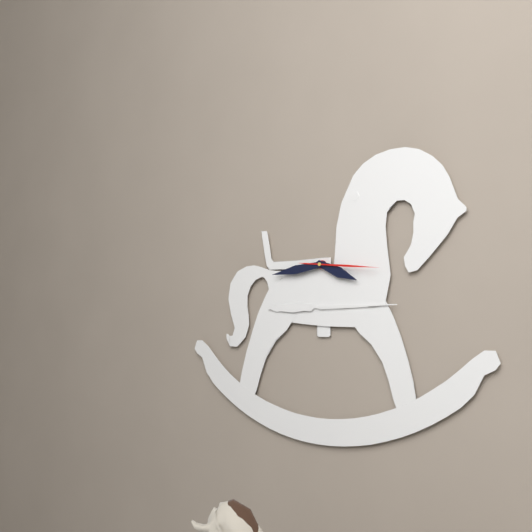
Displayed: 3 h 44 min 16 s
